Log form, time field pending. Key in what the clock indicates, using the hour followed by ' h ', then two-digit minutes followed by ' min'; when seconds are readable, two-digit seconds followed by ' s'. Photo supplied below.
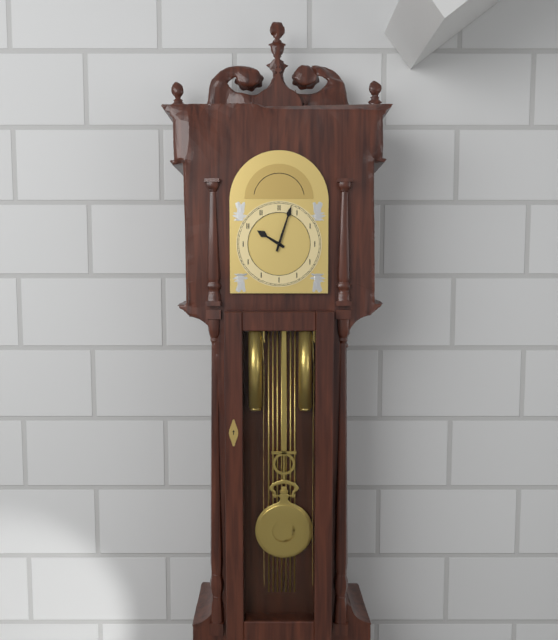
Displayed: 10 h 03 min
